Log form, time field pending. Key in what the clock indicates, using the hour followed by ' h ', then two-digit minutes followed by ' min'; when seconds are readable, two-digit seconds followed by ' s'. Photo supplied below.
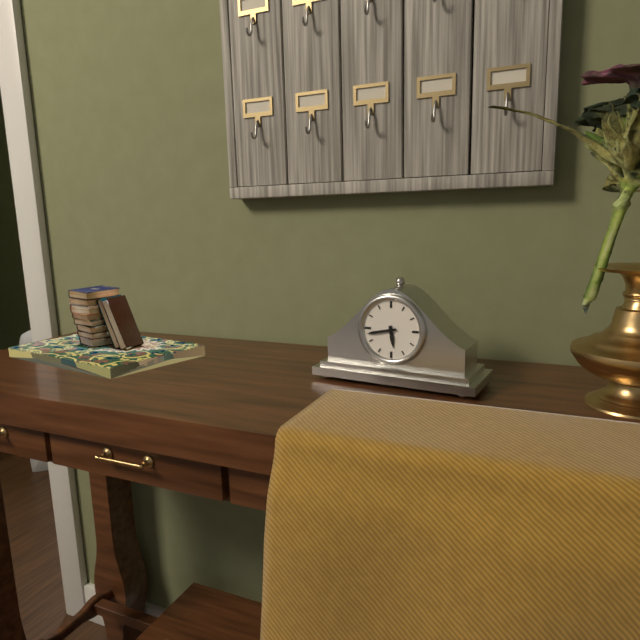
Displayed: 5 h 43 min
